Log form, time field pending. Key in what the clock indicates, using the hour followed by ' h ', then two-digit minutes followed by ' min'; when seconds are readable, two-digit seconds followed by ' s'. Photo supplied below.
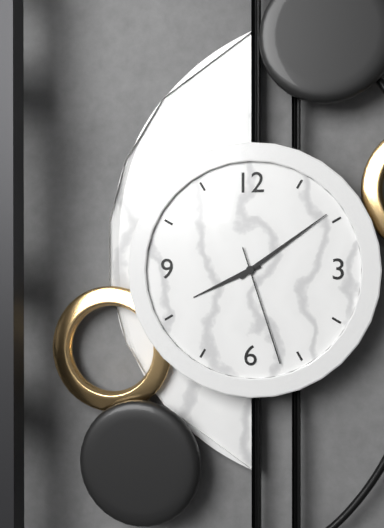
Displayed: 8 h 09 min 27 s
